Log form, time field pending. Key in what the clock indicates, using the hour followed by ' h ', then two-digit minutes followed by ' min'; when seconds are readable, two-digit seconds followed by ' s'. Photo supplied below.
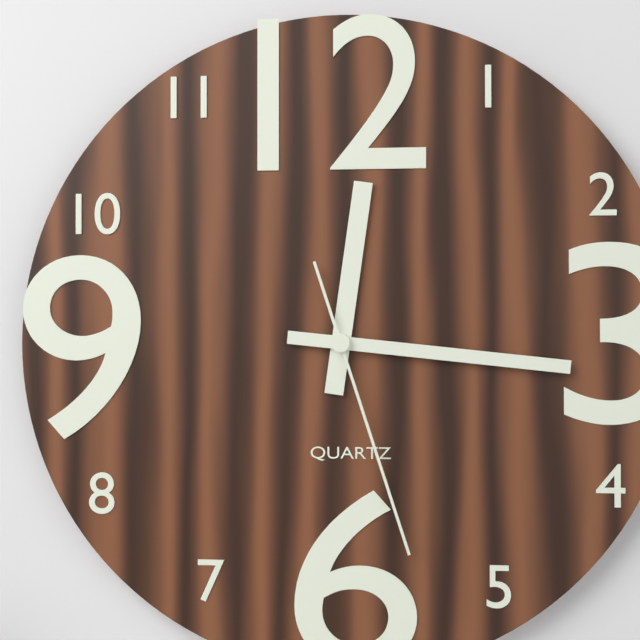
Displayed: 12 h 16 min 27 s
